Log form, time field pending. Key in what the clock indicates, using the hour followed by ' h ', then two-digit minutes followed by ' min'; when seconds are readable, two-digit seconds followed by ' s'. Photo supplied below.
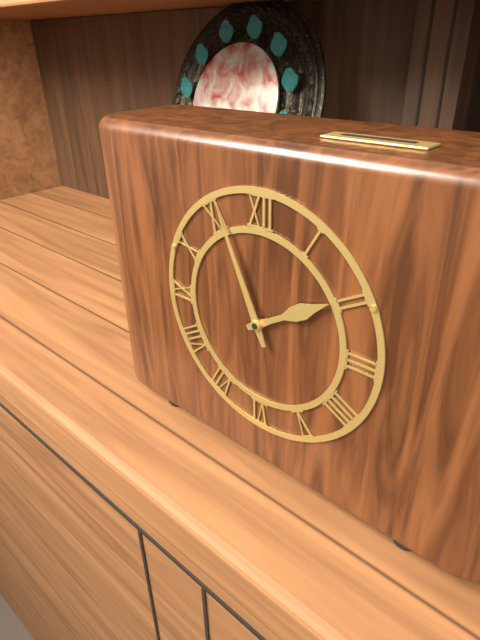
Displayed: 1 h 56 min
